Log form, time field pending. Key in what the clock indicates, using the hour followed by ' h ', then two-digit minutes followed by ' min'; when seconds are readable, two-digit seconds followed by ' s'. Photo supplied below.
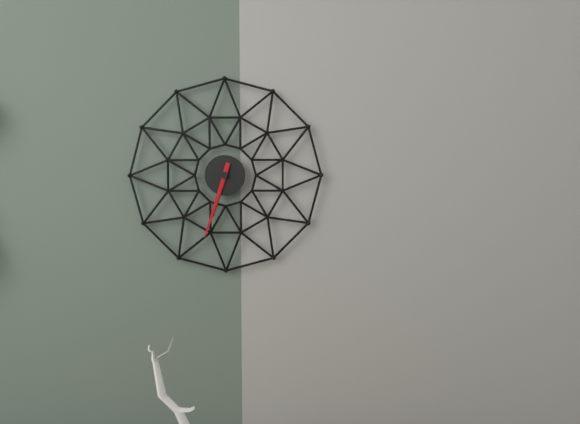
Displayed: 6 h 33 min
